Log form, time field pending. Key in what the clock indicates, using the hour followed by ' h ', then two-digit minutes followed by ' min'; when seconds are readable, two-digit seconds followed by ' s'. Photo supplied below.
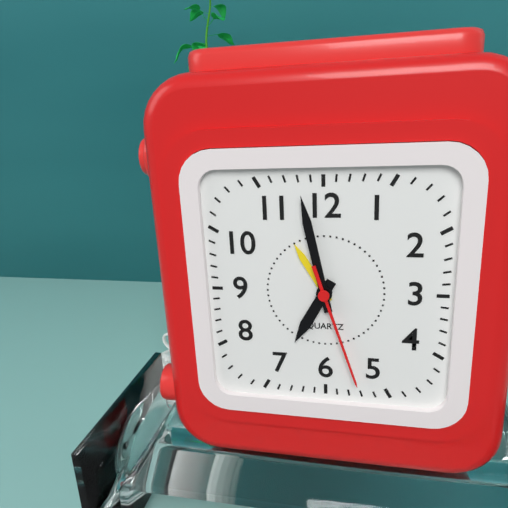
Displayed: 6 h 58 min 27 s
